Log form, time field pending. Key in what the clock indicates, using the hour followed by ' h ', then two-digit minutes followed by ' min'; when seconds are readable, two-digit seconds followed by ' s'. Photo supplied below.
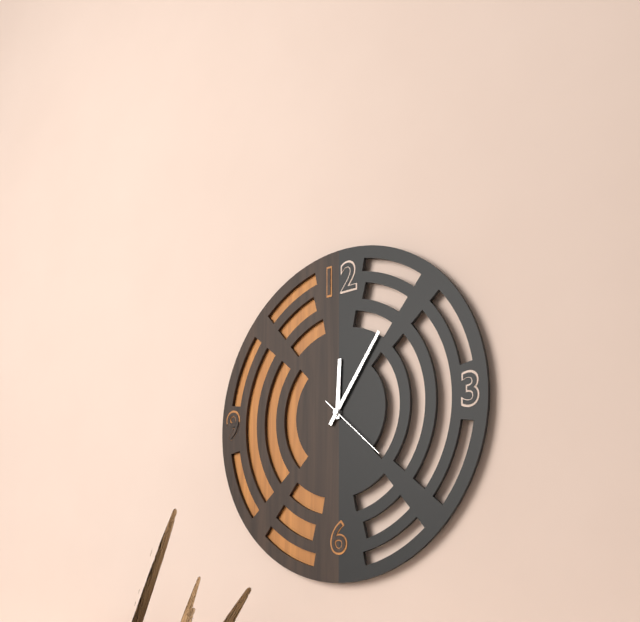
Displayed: 12 h 06 min 22 s
